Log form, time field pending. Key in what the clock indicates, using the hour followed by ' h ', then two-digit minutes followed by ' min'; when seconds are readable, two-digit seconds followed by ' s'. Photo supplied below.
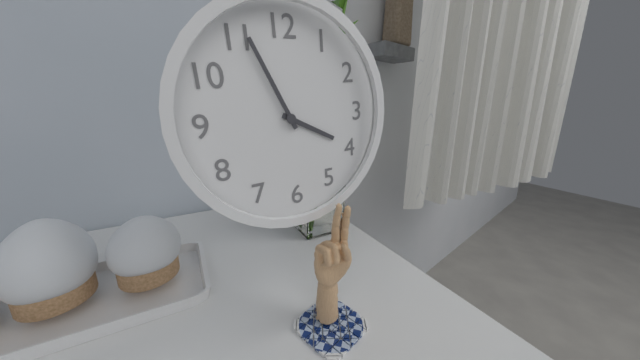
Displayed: 3 h 56 min
